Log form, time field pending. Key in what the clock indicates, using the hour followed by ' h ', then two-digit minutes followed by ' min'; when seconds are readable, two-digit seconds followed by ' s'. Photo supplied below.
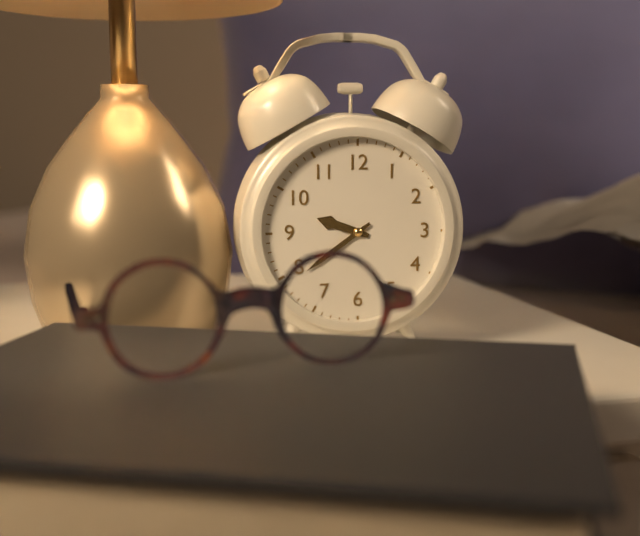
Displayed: 9 h 39 min
